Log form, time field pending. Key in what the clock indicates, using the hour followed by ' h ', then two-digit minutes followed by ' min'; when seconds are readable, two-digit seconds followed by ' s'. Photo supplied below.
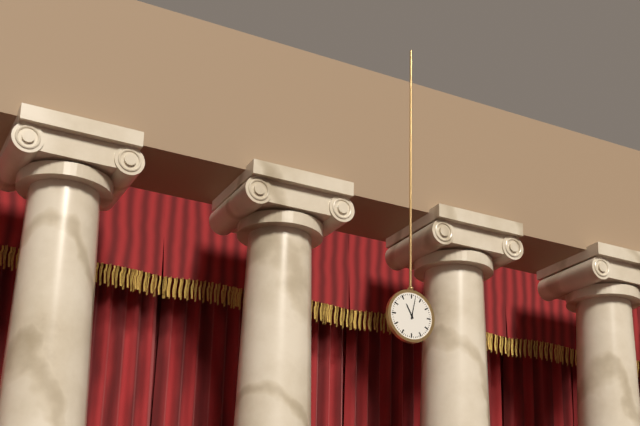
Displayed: 11 h 02 min
